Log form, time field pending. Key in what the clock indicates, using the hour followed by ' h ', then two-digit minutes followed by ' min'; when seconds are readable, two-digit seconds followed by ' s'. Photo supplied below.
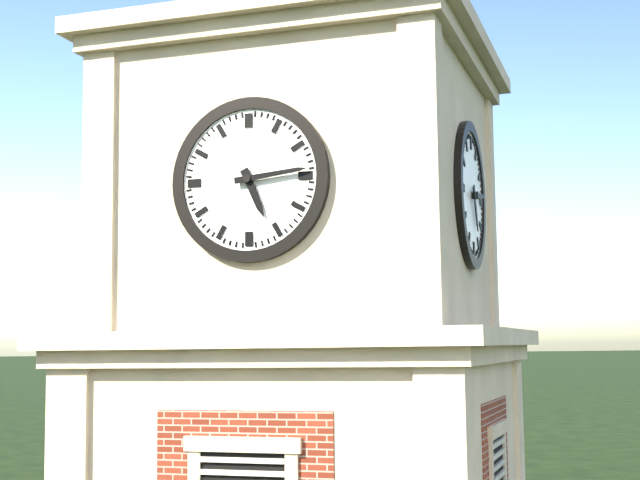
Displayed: 5 h 14 min
